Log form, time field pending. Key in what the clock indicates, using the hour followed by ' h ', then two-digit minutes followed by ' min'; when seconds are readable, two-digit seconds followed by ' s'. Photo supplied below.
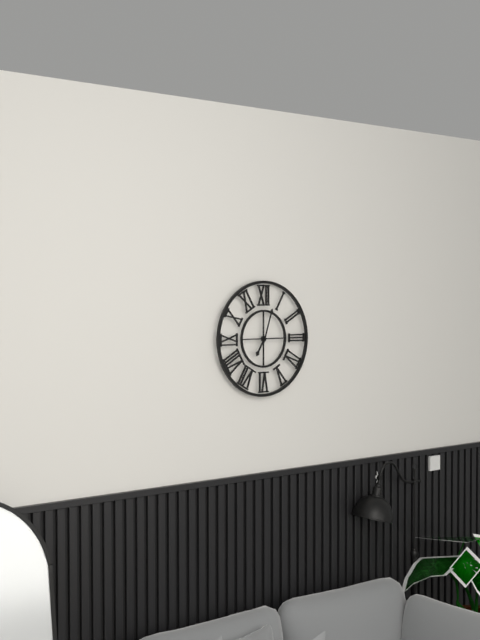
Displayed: 7 h 03 min
